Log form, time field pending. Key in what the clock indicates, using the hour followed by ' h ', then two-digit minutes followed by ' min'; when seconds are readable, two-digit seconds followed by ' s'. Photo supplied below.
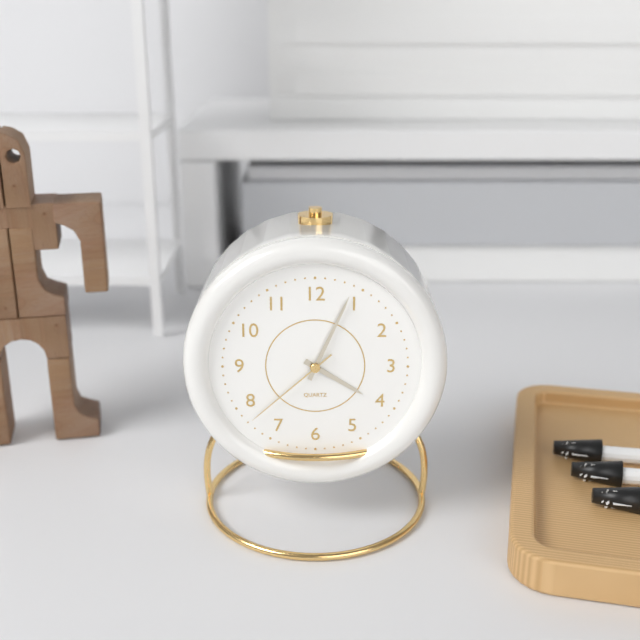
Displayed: 4 h 04 min 38 s
